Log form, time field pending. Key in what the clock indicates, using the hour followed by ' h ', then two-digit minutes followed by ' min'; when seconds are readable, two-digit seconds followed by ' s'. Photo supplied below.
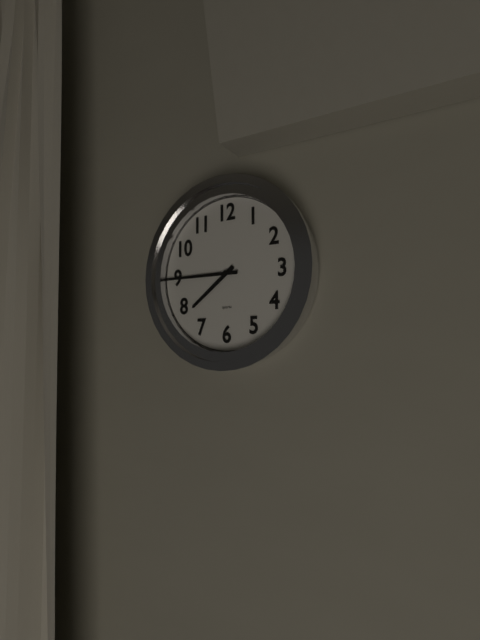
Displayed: 7 h 45 min
